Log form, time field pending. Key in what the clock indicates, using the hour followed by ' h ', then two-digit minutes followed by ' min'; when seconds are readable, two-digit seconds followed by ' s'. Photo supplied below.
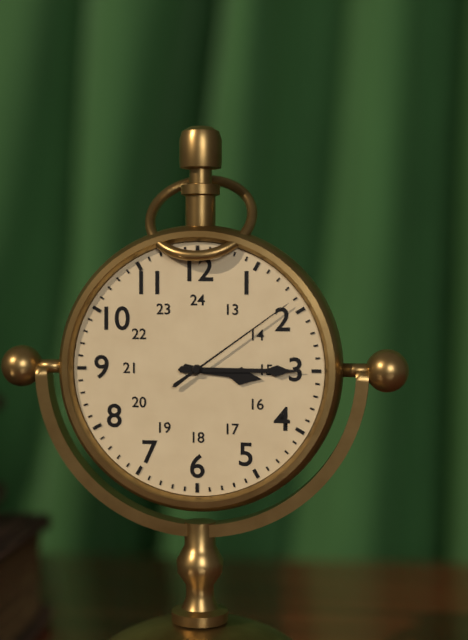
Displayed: 3 h 15 min 09 s
